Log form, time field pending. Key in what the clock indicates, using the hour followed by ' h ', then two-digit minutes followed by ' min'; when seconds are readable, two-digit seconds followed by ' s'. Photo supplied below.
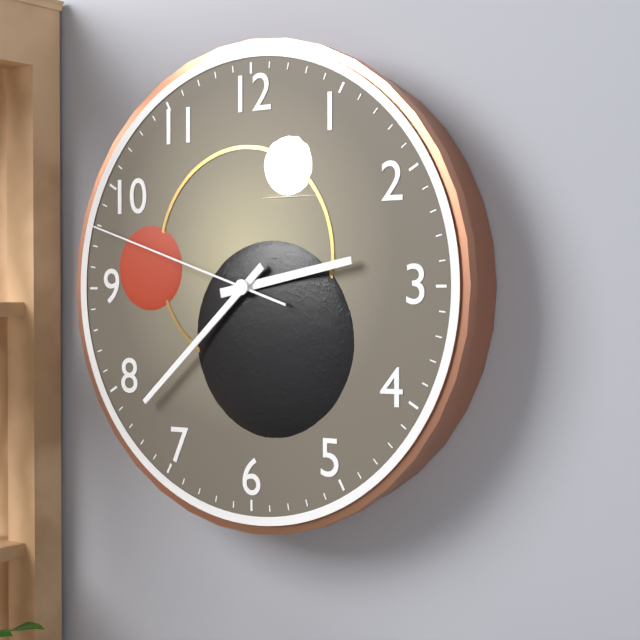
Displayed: 2 h 38 min 48 s
